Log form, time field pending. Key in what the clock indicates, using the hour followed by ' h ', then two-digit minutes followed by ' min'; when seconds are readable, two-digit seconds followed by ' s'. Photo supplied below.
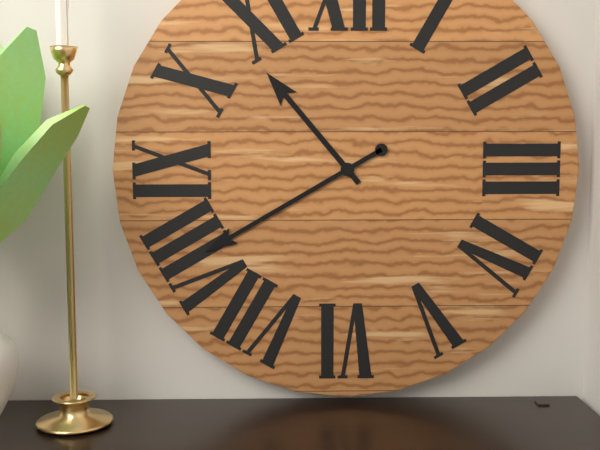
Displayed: 10 h 40 min
